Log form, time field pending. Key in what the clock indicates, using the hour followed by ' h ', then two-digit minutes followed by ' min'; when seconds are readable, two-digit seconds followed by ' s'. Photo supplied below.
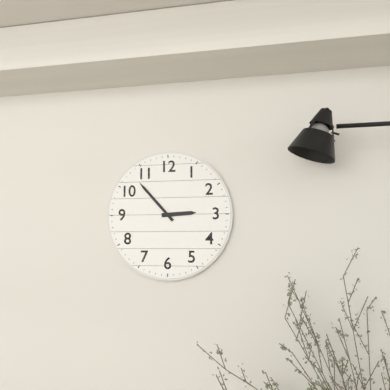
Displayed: 2 h 53 min
